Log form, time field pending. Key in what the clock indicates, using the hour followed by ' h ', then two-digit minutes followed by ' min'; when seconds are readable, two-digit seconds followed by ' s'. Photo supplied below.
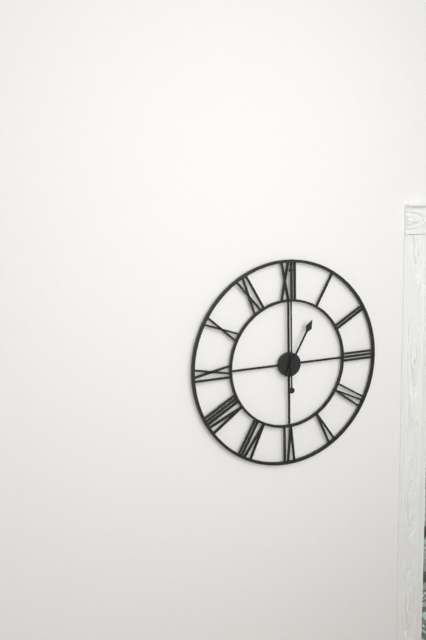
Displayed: 1 h 00 min
